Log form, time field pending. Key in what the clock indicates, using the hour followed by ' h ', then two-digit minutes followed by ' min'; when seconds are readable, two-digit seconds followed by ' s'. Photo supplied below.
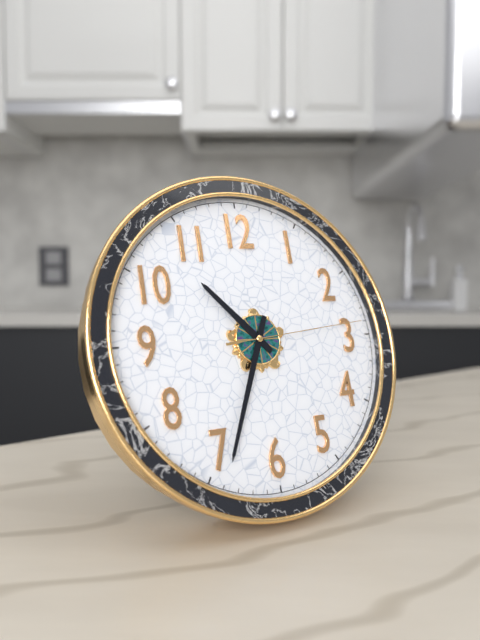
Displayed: 10 h 34 min 14 s
